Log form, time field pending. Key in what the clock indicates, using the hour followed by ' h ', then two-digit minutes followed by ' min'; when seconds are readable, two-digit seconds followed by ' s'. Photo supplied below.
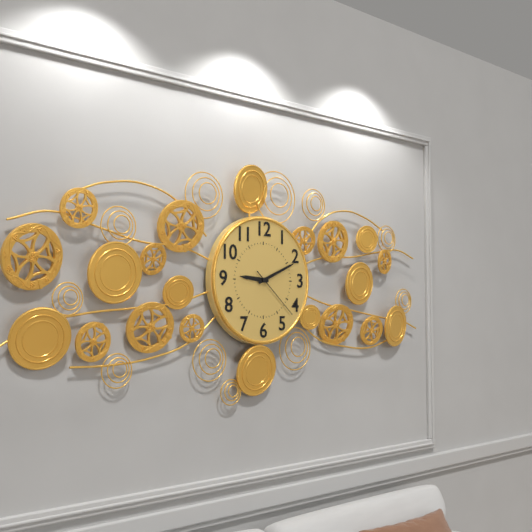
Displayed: 9 h 11 min 22 s
